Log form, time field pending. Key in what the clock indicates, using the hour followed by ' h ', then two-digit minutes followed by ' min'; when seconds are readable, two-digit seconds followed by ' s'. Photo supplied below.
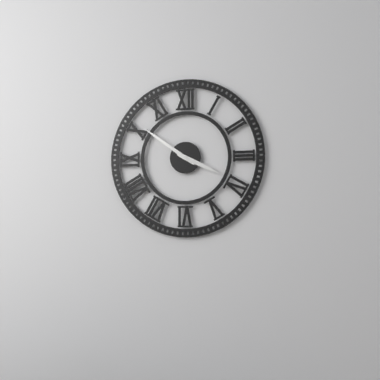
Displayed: 3 h 51 min
